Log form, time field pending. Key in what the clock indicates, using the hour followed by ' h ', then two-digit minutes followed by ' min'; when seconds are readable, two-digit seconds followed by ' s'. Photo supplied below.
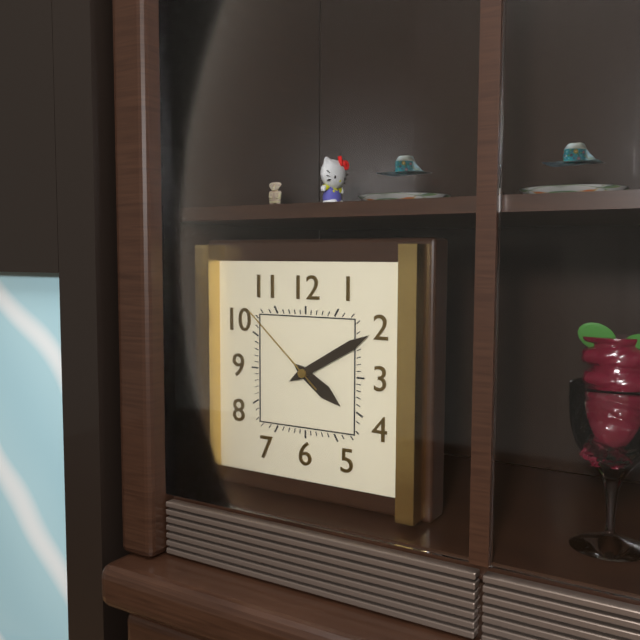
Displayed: 4 h 10 min 52 s
